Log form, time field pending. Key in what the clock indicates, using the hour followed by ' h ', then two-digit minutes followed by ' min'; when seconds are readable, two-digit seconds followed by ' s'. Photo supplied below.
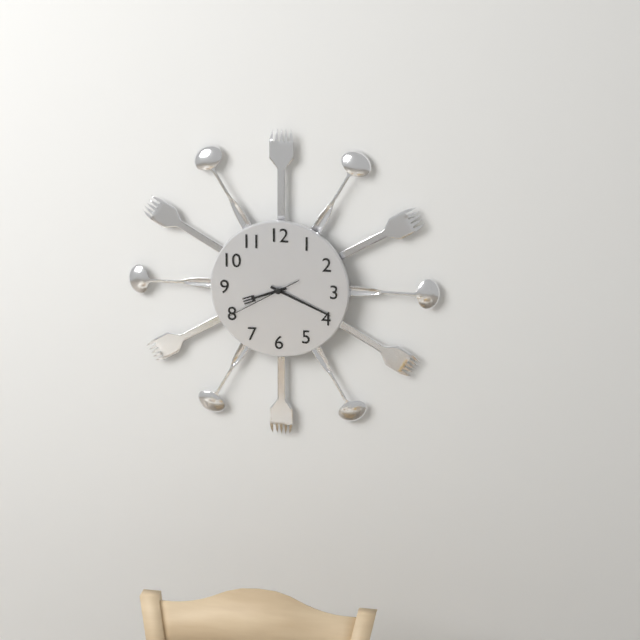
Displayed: 8 h 19 min 40 s
